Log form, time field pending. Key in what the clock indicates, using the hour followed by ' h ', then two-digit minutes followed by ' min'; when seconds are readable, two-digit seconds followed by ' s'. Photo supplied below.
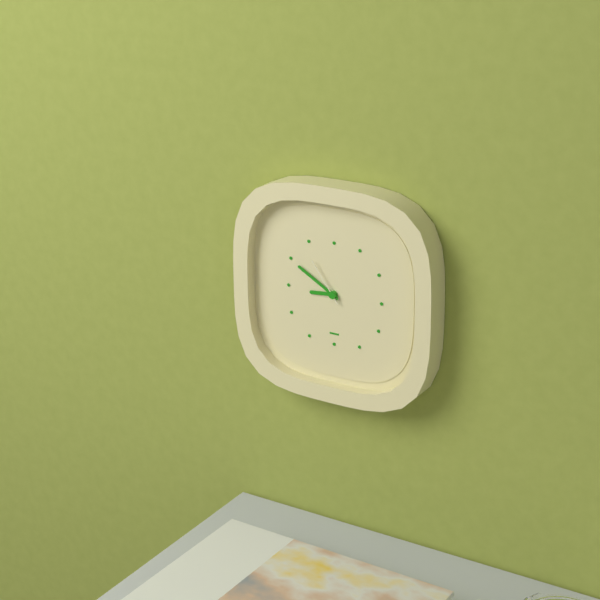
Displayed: 8 h 50 min 54 s
